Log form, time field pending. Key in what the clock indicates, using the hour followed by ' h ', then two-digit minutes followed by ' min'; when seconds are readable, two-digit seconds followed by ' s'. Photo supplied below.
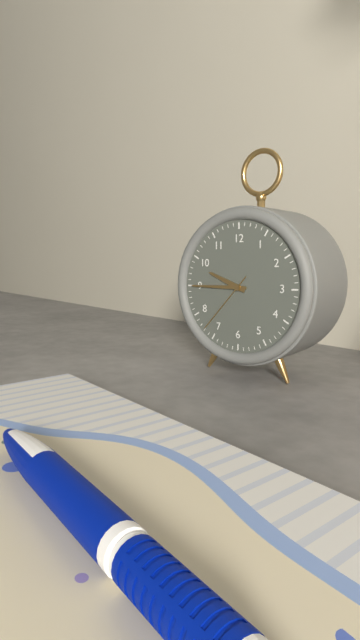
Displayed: 9 h 45 min 37 s
